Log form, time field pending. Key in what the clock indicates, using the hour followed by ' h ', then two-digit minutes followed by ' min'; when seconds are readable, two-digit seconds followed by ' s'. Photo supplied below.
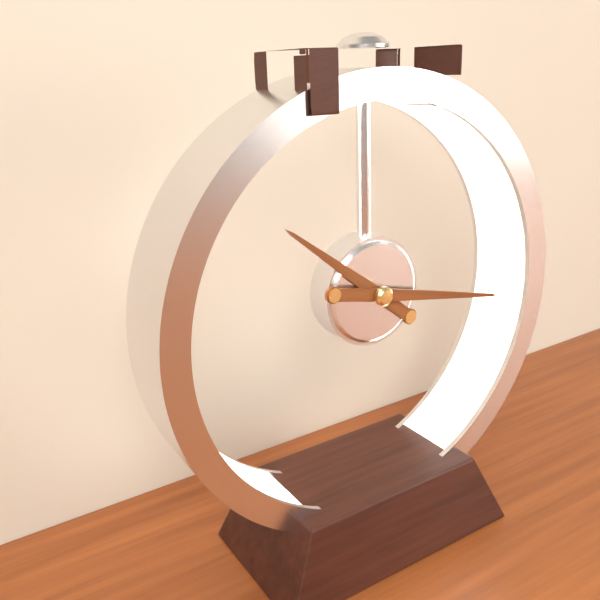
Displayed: 10 h 17 min
